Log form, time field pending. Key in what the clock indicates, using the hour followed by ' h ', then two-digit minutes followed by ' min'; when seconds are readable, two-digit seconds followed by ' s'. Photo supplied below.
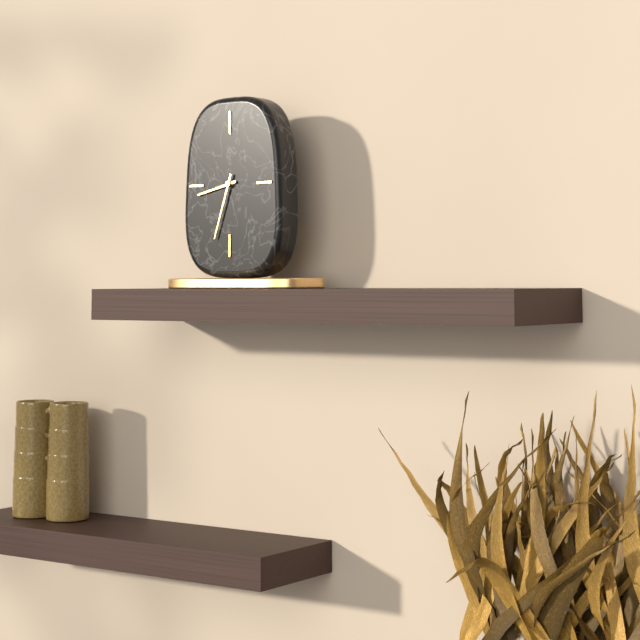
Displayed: 8 h 33 min
